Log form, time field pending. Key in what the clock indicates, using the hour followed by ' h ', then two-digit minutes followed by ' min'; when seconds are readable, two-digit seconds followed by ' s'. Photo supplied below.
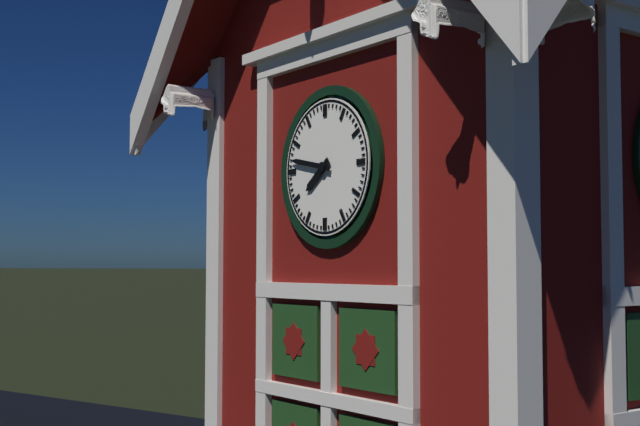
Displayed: 7 h 47 min
